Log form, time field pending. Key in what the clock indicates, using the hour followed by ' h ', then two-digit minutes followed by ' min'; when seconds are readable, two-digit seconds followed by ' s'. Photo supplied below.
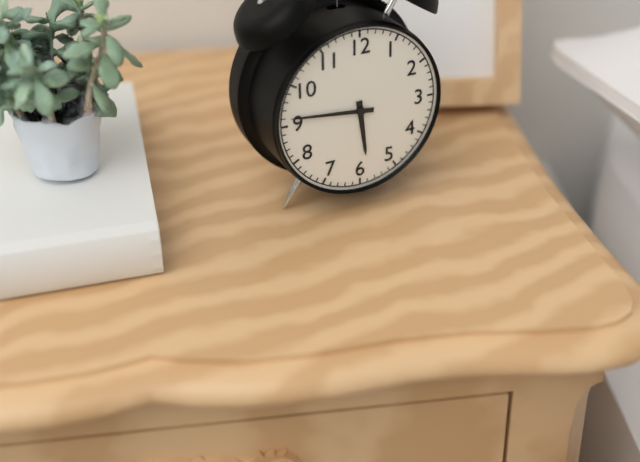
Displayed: 5 h 46 min
